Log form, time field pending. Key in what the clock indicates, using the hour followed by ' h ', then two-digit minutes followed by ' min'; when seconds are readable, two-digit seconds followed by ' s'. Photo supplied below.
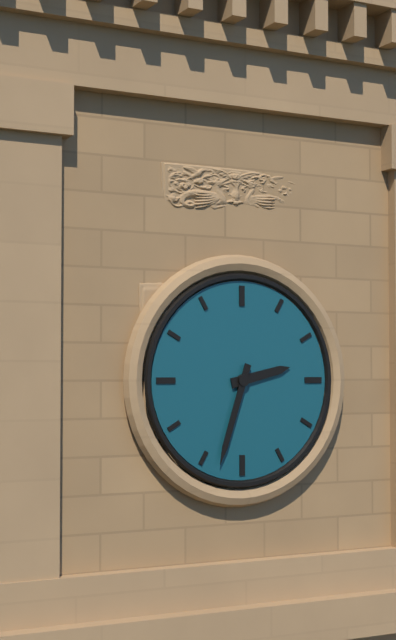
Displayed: 2 h 33 min
